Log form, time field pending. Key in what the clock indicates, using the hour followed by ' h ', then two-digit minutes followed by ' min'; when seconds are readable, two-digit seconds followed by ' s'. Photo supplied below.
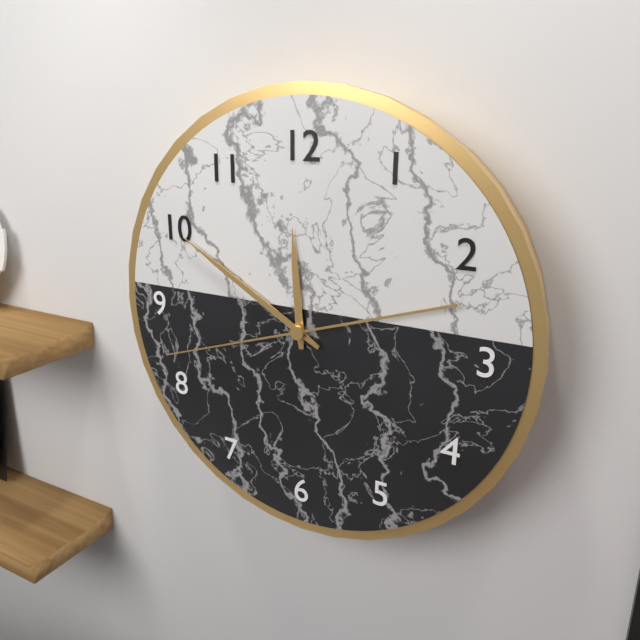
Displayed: 11 h 50 min 42 s
